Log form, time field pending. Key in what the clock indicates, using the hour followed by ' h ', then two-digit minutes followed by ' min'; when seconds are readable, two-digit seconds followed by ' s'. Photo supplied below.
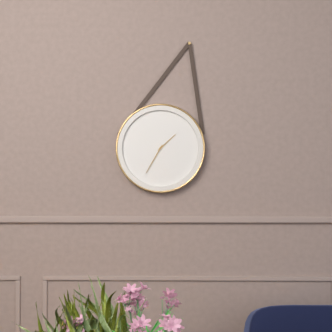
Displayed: 1 h 35 min
